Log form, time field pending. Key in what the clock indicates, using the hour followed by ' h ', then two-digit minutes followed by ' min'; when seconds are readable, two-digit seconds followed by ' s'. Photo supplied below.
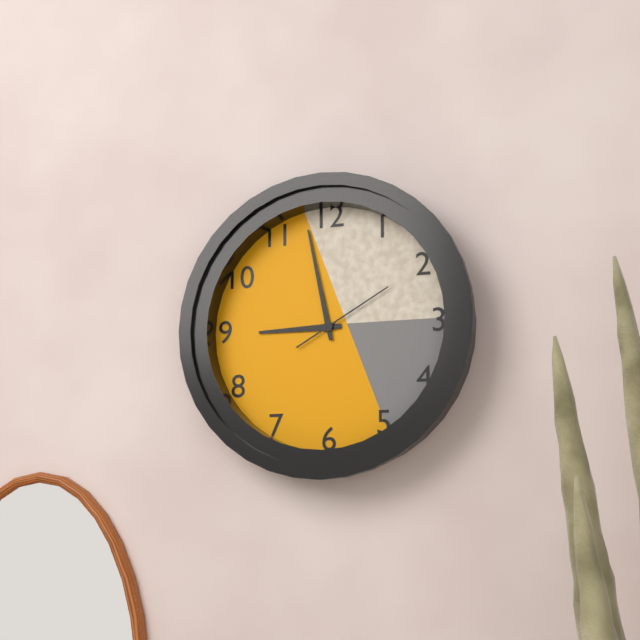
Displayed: 8 h 58 min 10 s
